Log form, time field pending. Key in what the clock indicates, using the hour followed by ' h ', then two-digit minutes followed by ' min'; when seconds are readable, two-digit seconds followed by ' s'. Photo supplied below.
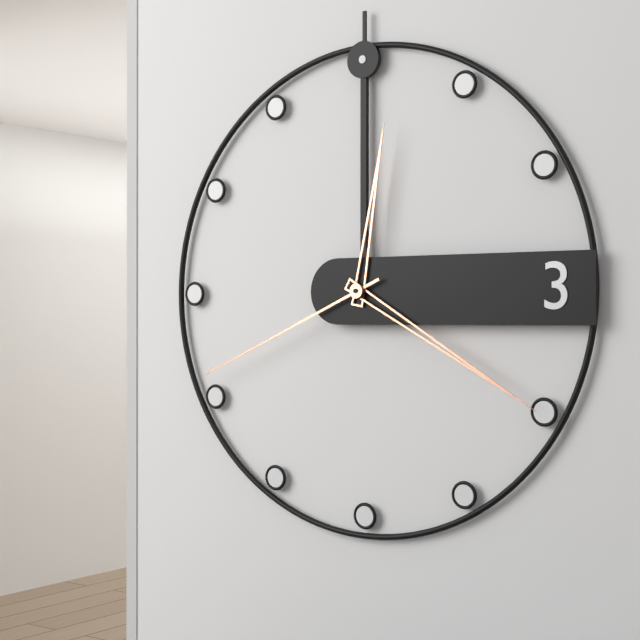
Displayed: 12 h 20 min 41 s
